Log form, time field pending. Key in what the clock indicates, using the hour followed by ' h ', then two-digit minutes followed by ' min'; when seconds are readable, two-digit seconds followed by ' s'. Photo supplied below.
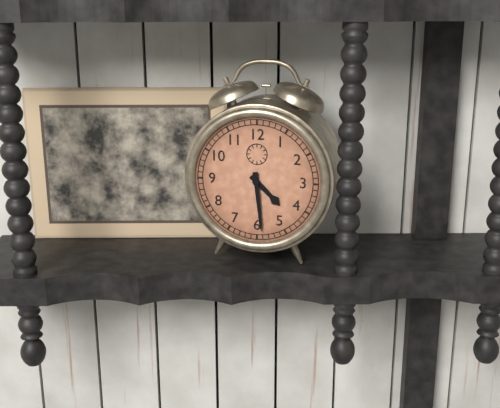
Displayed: 4 h 29 min
